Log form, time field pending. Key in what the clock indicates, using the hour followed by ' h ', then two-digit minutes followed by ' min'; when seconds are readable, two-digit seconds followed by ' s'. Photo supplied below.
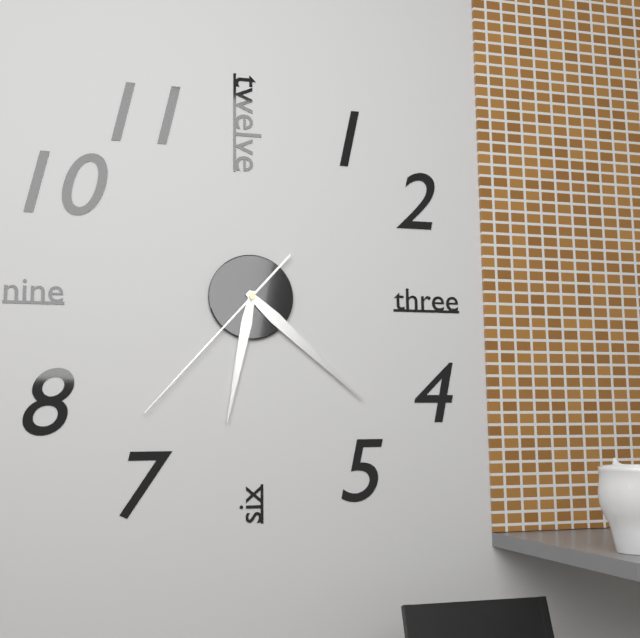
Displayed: 6 h 22 min 37 s
